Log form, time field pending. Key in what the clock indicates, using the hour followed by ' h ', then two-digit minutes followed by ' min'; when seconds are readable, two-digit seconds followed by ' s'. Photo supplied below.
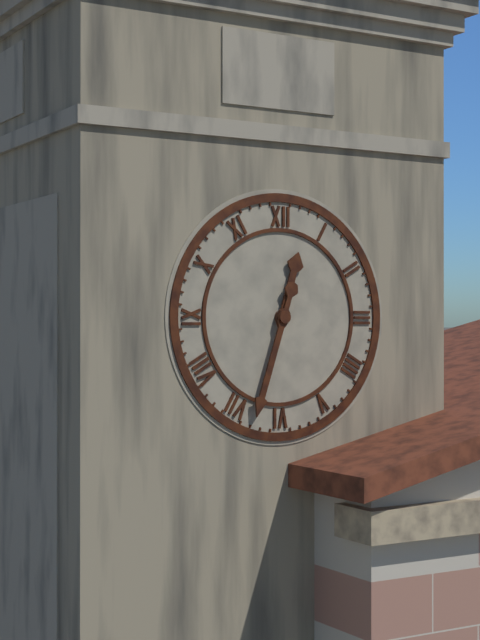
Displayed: 12 h 33 min
